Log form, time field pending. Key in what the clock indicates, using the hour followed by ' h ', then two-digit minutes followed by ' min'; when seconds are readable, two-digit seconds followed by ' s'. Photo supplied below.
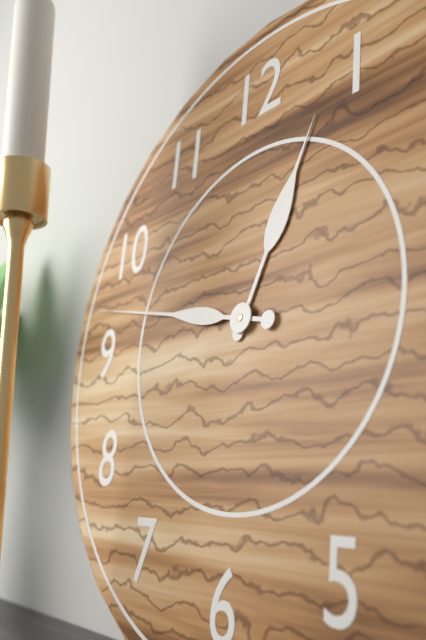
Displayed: 12 h 47 min
